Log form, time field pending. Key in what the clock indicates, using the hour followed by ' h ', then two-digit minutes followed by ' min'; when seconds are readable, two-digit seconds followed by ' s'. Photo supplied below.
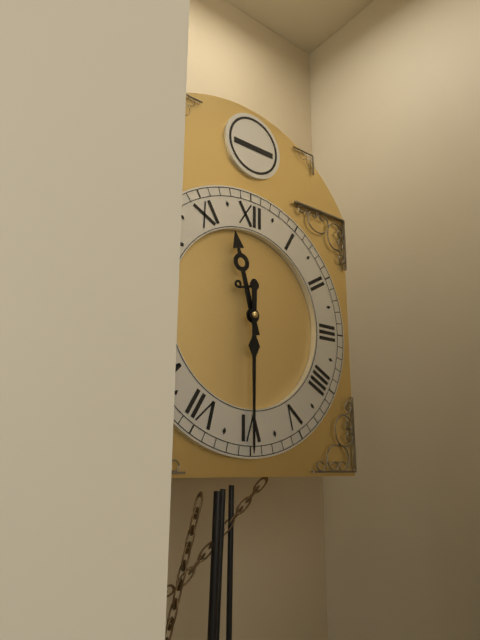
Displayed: 11 h 30 min
